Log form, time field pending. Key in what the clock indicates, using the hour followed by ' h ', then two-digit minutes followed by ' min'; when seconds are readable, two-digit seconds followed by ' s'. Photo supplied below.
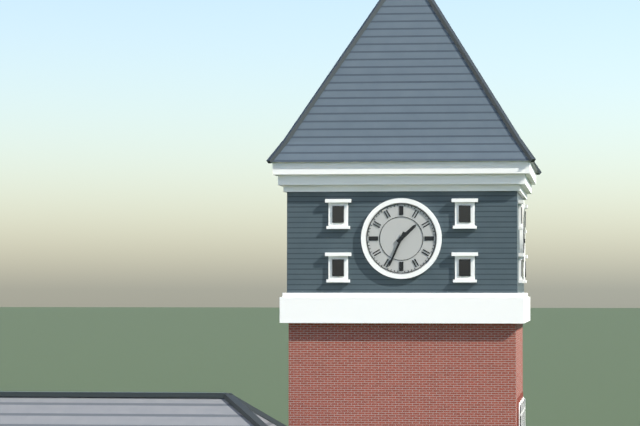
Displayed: 1 h 34 min
